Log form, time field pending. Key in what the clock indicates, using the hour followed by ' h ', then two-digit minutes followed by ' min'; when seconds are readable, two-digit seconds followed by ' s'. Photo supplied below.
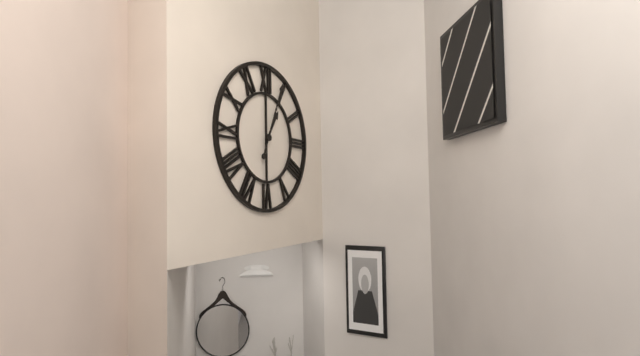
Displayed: 1 h 04 min
